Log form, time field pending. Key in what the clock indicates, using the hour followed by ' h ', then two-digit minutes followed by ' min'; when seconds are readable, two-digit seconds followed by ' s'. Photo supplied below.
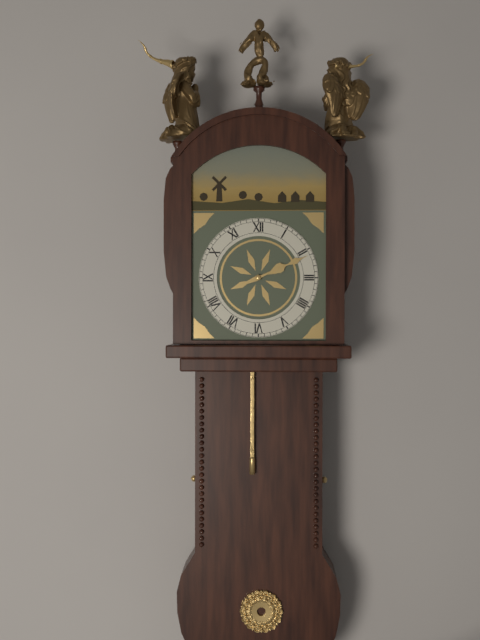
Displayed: 2 h 11 min
